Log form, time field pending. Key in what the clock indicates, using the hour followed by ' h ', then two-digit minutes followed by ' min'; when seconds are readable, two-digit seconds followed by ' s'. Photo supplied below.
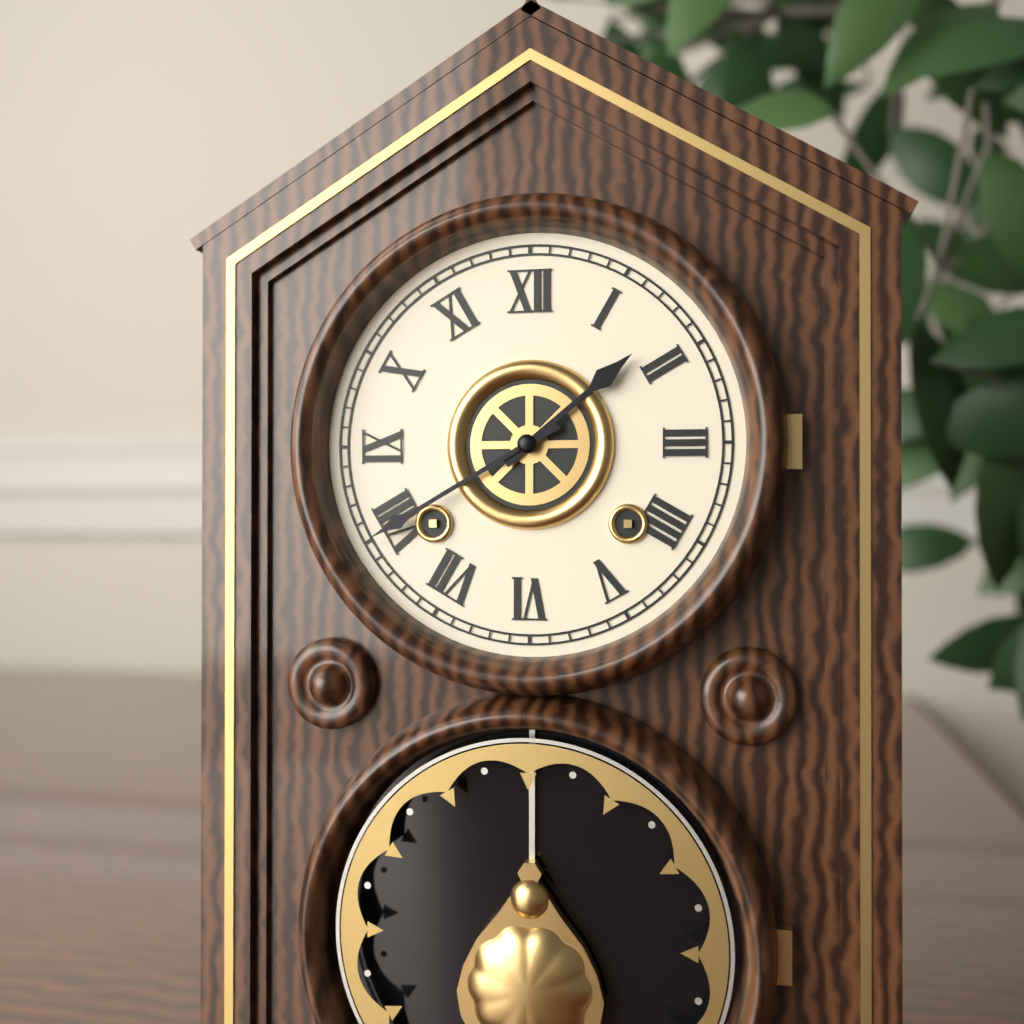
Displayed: 1 h 40 min
